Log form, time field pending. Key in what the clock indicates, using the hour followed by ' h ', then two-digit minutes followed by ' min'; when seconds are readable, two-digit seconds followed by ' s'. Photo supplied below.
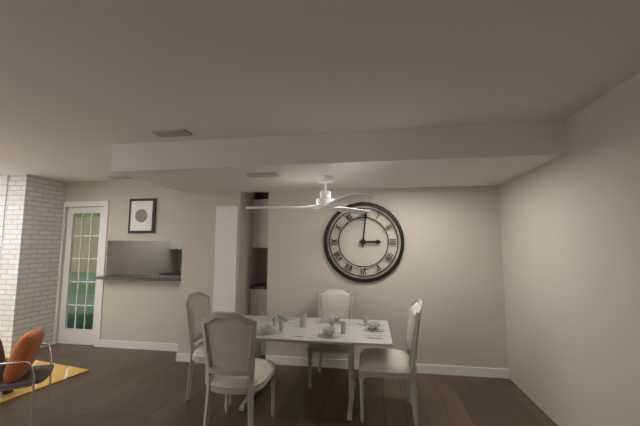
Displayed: 3 h 01 min
